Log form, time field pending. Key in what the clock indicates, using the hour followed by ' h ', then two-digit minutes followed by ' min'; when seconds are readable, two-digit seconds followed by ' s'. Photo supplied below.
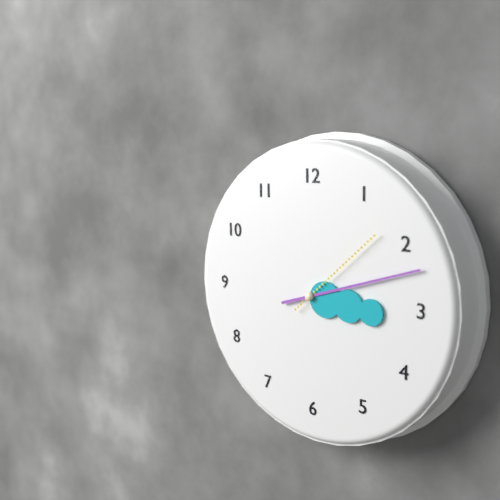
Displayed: 3 h 12 min 08 s
